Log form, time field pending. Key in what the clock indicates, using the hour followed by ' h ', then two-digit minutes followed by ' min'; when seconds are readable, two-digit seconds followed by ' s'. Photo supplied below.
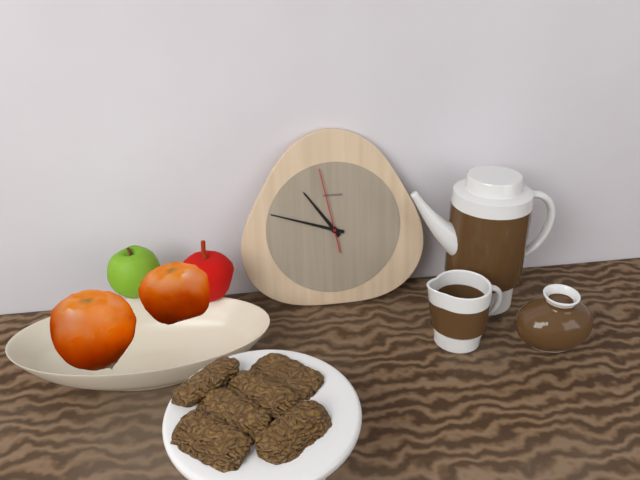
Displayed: 10 h 48 min 58 s
